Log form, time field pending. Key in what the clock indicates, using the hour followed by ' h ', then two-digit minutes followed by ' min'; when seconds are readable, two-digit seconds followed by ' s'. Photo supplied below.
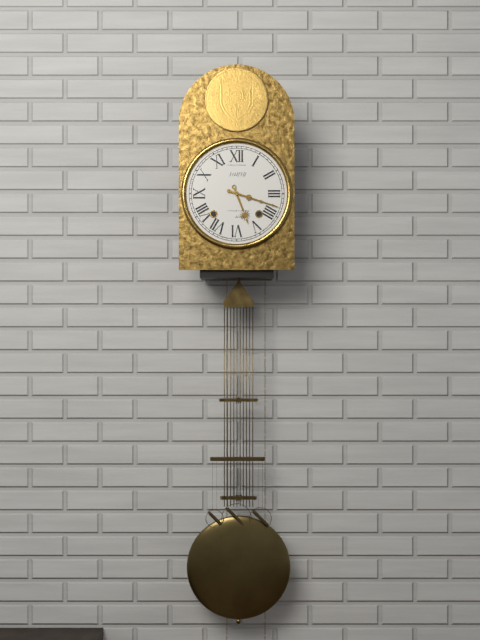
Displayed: 5 h 18 min
